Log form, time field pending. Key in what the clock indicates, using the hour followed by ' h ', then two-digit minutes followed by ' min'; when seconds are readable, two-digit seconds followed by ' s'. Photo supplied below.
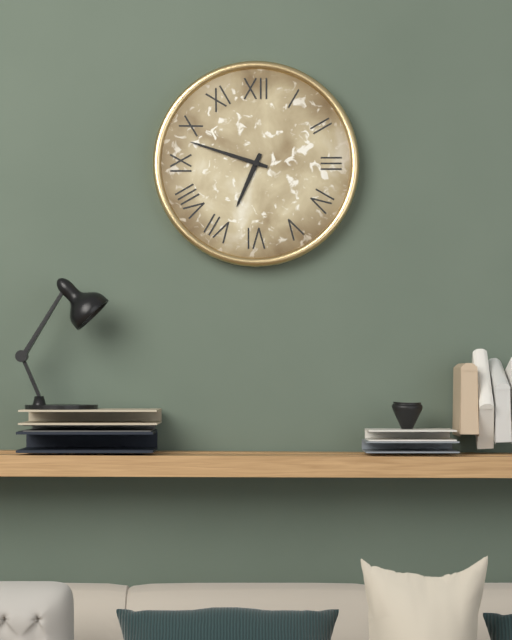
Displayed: 6 h 48 min
